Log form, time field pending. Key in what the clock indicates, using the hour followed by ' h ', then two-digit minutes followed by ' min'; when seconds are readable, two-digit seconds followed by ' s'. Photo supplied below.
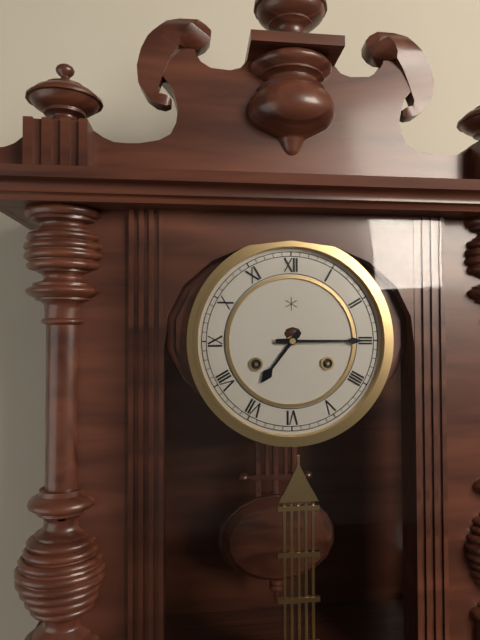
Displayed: 7 h 15 min
